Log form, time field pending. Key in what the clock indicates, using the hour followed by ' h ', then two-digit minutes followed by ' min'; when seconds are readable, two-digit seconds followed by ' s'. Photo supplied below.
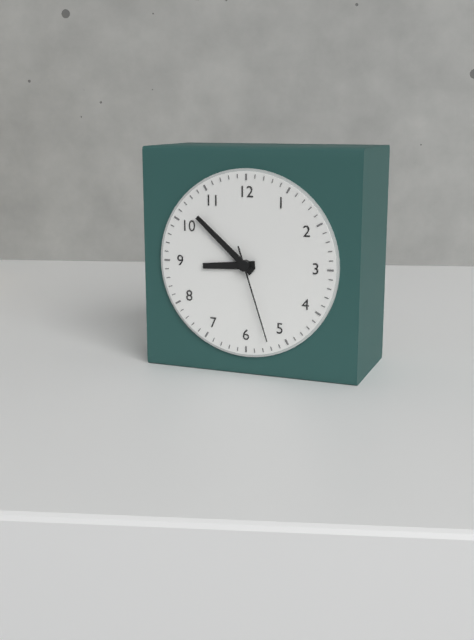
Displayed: 8 h 52 min 27 s
